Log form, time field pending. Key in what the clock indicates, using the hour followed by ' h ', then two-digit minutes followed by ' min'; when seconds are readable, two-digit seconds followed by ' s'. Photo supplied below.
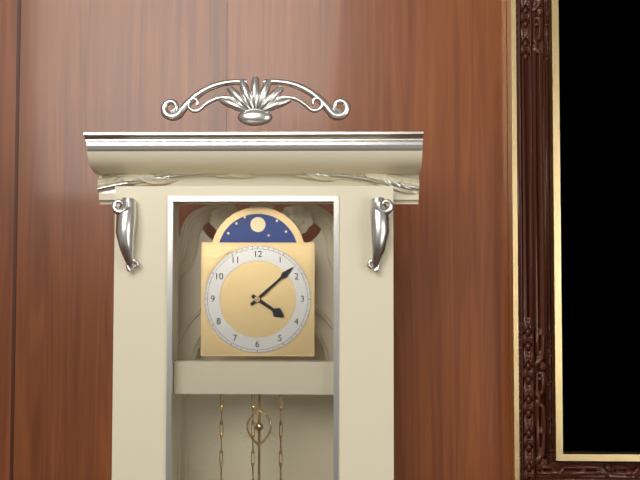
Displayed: 4 h 08 min
